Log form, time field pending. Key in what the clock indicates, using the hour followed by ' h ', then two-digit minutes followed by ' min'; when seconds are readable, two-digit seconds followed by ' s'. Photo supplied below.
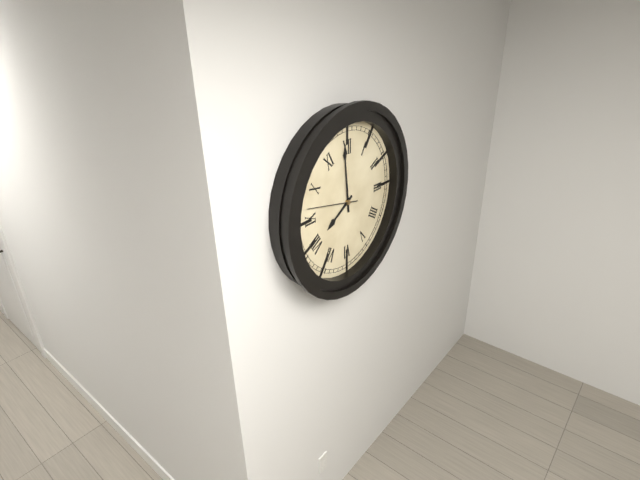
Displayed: 7 h 59 min 47 s
